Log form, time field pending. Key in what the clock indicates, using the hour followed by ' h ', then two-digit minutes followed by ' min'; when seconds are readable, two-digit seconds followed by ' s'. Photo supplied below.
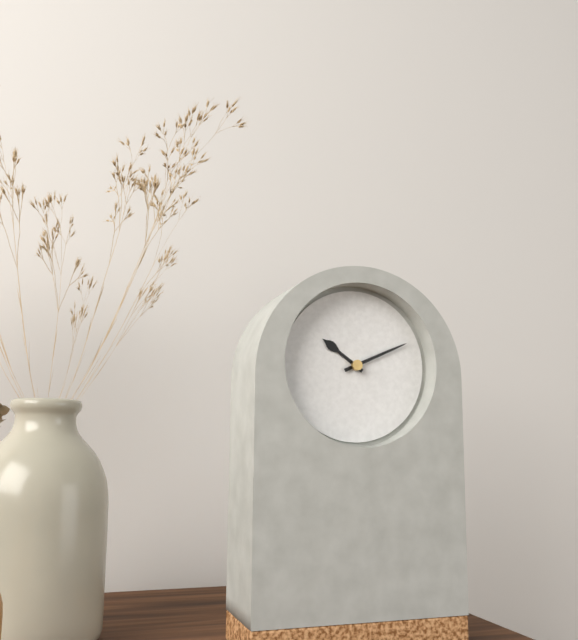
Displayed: 10 h 11 min
